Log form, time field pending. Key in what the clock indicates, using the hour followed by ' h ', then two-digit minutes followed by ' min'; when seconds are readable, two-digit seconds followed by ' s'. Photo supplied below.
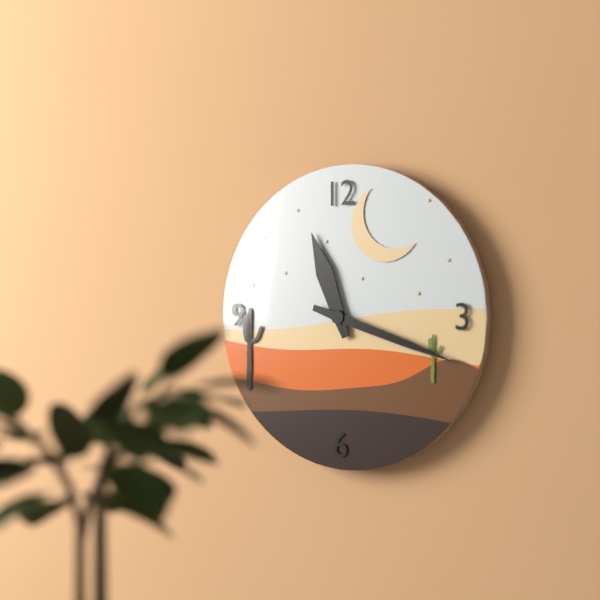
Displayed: 11 h 18 min
